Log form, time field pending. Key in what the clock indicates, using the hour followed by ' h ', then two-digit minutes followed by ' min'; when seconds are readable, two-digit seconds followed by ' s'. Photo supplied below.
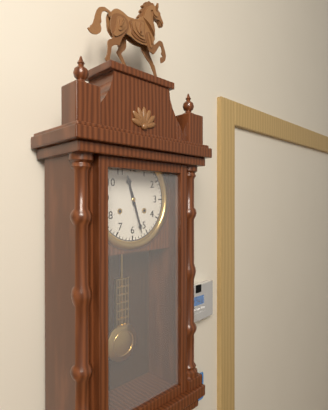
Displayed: 11 h 27 min
